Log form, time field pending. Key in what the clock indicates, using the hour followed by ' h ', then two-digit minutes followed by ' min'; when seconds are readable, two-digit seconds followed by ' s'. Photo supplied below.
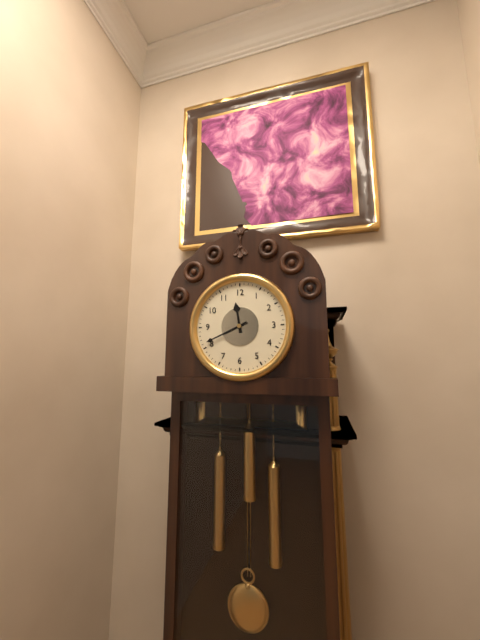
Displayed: 11 h 41 min
